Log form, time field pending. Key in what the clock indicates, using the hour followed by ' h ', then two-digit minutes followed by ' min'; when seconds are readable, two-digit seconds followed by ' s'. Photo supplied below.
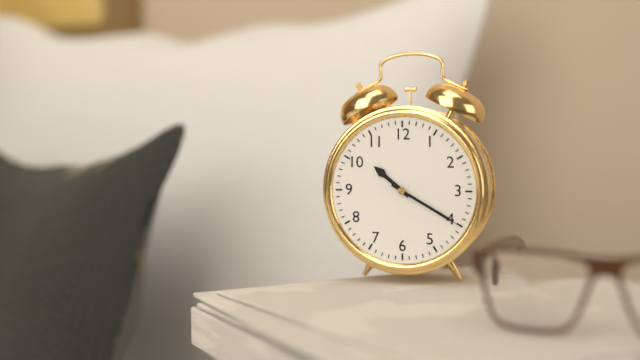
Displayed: 10 h 20 min
